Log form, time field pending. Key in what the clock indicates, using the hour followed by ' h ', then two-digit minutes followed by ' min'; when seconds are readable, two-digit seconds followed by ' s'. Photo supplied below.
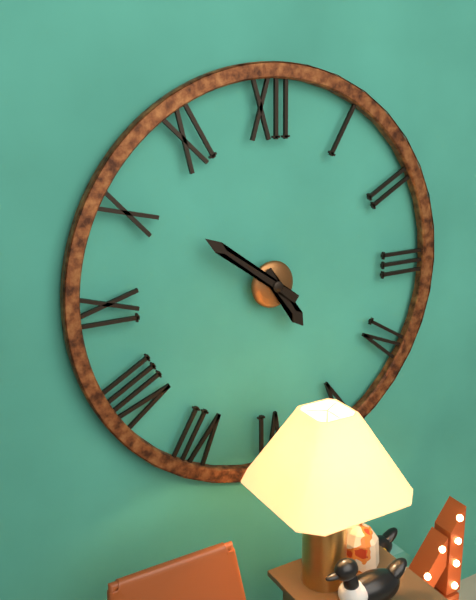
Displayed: 4 h 51 min
